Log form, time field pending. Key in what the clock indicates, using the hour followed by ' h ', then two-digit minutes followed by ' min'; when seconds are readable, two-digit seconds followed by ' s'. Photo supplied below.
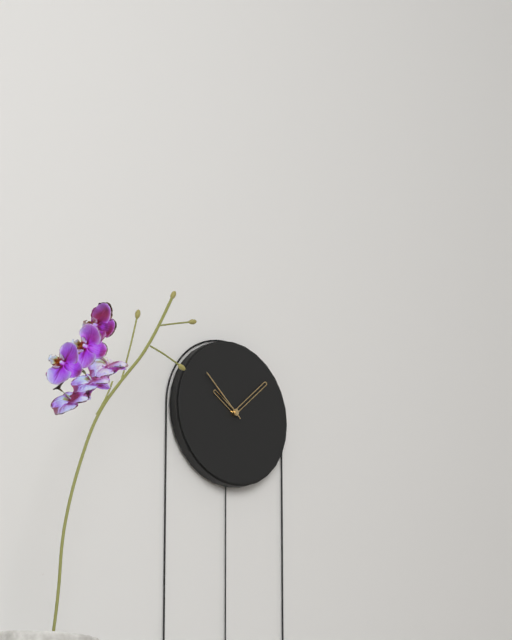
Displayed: 10 h 08 min 52 s
